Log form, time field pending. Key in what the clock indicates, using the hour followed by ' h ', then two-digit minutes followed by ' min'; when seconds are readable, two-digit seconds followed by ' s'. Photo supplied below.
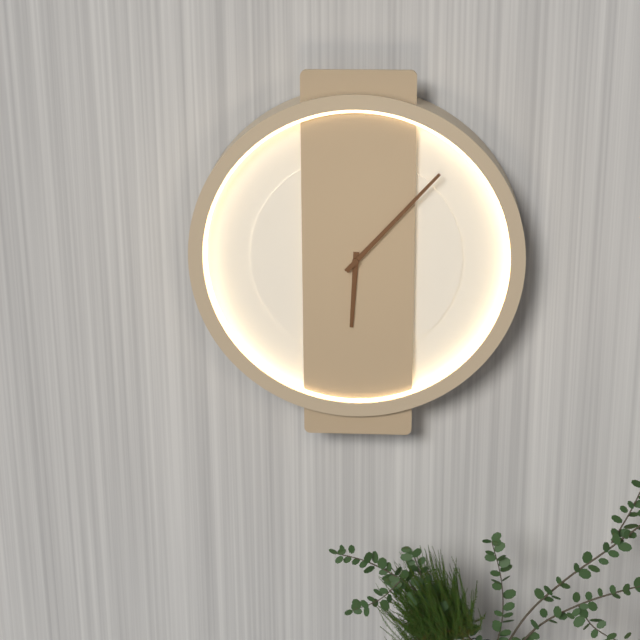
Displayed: 6 h 07 min
